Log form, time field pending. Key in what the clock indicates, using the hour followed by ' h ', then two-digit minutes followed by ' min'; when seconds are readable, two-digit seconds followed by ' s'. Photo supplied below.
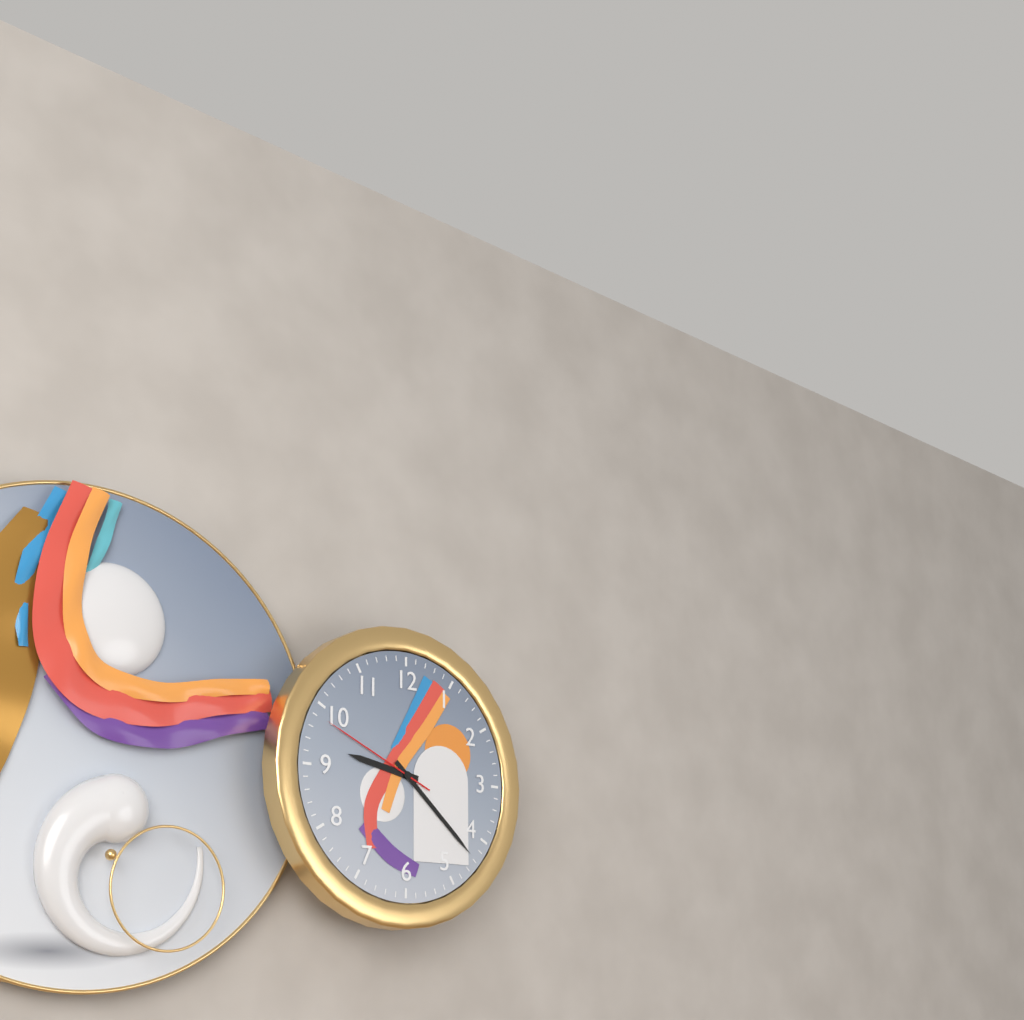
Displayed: 9 h 22 min 49 s
